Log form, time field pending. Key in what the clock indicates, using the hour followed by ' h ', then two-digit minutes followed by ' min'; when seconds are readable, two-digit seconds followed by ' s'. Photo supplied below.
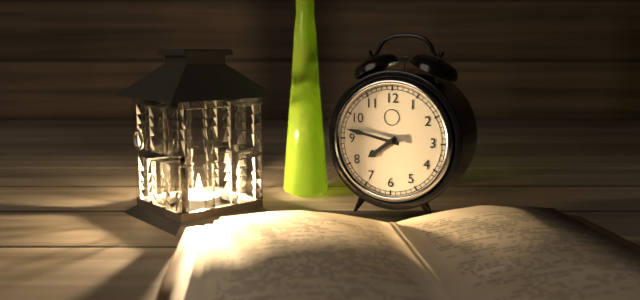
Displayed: 7 h 47 min
